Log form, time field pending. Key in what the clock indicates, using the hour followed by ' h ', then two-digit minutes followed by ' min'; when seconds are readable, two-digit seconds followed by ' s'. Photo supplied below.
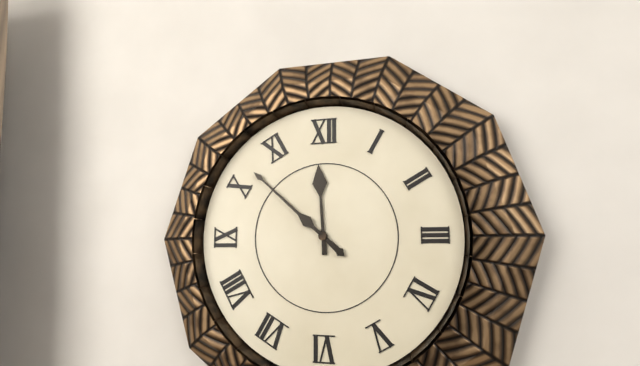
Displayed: 11 h 52 min
